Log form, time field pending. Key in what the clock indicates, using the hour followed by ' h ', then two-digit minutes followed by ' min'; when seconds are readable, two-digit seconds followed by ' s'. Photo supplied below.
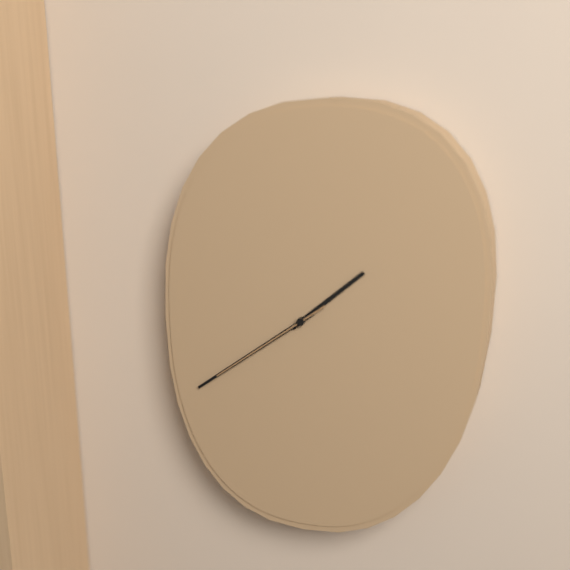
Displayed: 1 h 39 min 39 s
